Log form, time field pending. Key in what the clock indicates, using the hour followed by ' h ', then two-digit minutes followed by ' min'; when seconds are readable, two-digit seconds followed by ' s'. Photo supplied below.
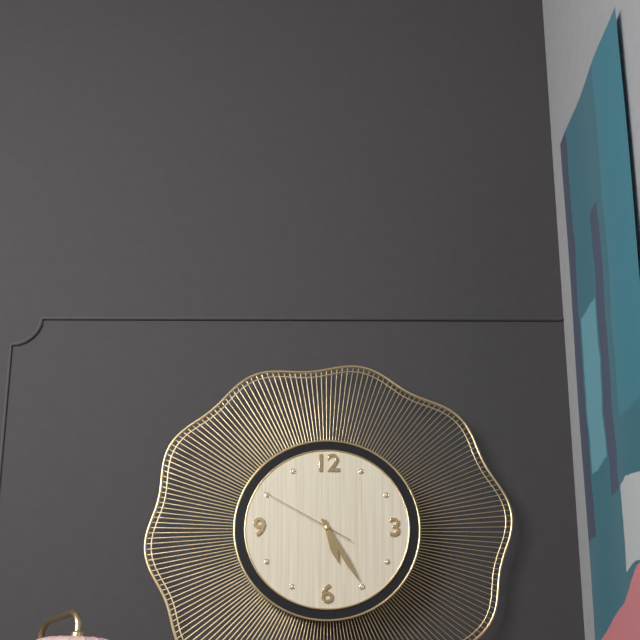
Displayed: 5 h 25 min 50 s
